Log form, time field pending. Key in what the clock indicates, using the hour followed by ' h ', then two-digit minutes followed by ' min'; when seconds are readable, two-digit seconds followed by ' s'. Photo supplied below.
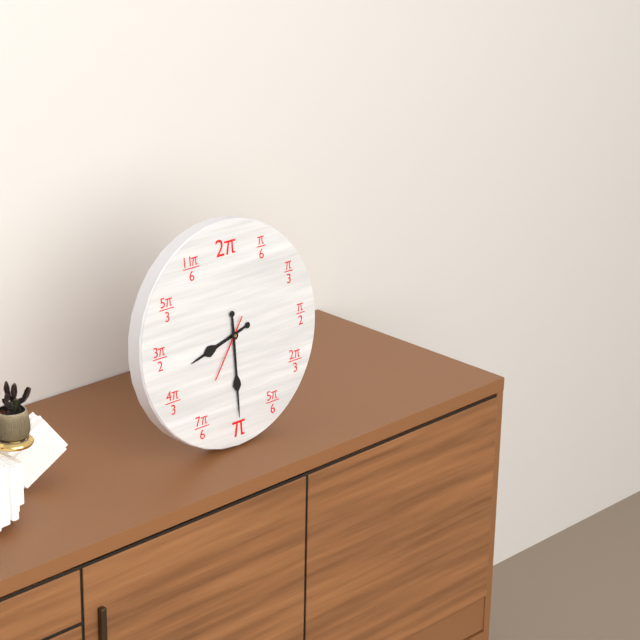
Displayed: 8 h 30 min 36 s
